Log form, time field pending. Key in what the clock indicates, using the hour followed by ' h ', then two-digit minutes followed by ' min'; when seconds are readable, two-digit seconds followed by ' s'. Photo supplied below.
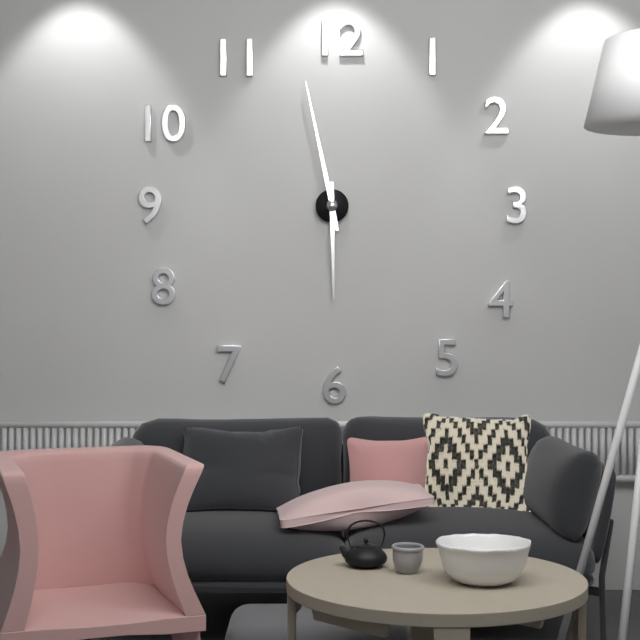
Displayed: 5 h 58 min
